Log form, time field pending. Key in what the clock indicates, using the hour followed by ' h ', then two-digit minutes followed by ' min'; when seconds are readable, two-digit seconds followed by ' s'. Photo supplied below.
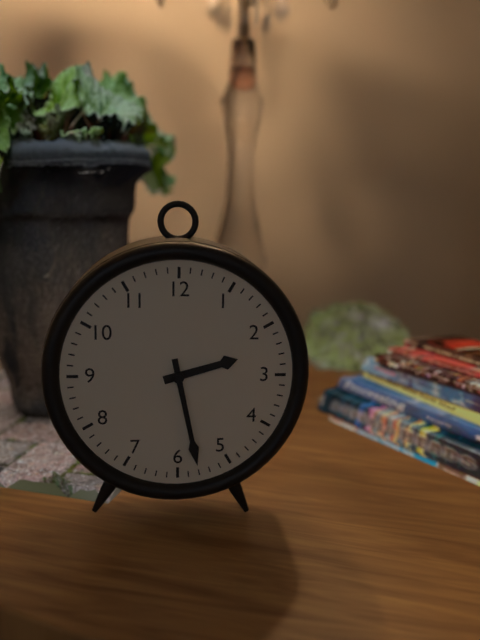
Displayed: 2 h 28 min
